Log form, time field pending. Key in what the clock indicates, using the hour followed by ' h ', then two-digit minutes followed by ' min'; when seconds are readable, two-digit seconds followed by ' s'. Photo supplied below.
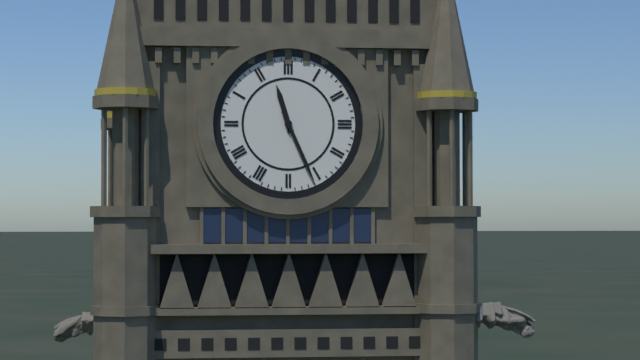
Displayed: 11 h 26 min
